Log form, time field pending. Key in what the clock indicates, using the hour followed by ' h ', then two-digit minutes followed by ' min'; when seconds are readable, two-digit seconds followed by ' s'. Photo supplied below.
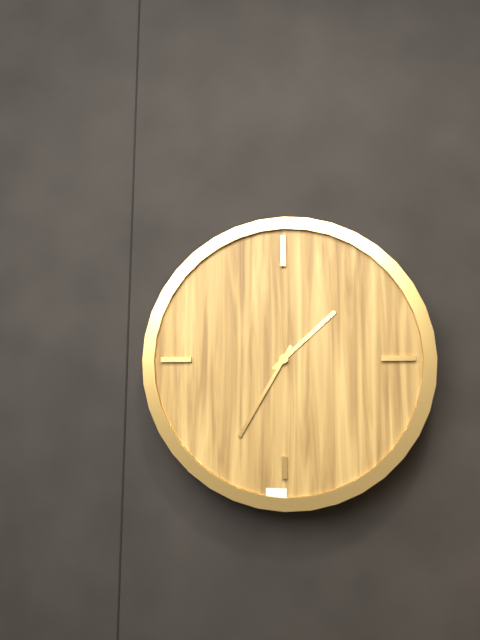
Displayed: 1 h 35 min
